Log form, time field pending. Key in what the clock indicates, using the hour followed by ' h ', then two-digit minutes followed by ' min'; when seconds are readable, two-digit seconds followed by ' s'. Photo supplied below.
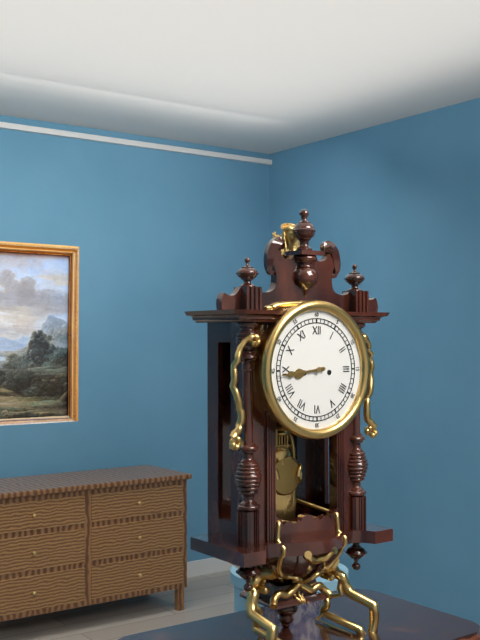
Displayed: 8 h 44 min
